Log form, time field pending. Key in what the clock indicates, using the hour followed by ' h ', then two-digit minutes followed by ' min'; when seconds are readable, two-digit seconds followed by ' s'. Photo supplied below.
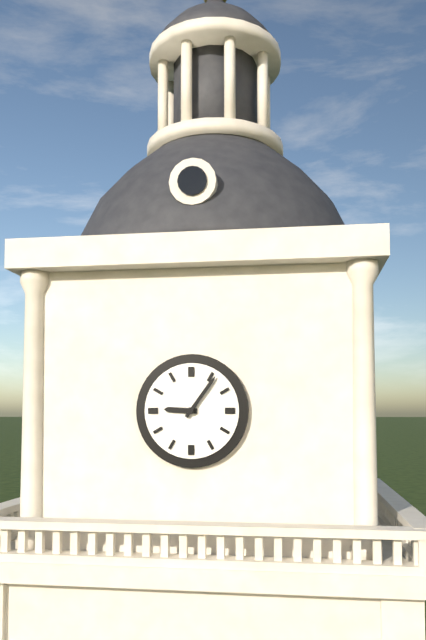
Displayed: 9 h 06 min
